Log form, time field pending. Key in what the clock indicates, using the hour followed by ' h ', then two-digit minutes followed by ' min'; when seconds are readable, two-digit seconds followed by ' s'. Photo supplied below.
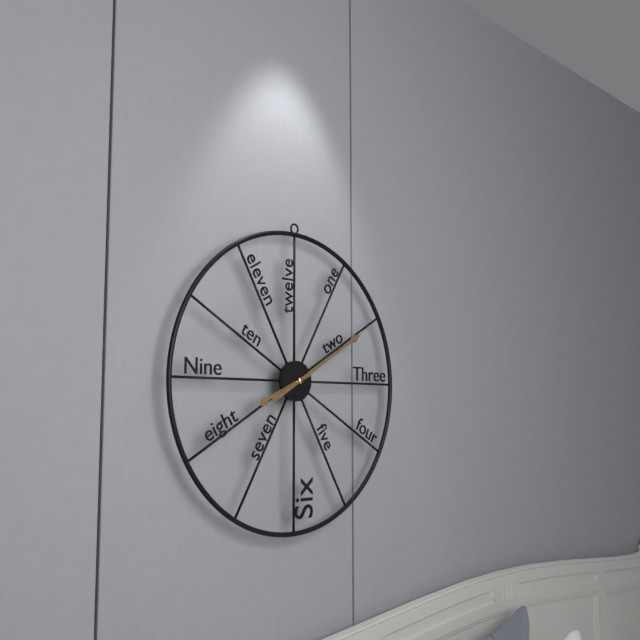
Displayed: 8 h 10 min
